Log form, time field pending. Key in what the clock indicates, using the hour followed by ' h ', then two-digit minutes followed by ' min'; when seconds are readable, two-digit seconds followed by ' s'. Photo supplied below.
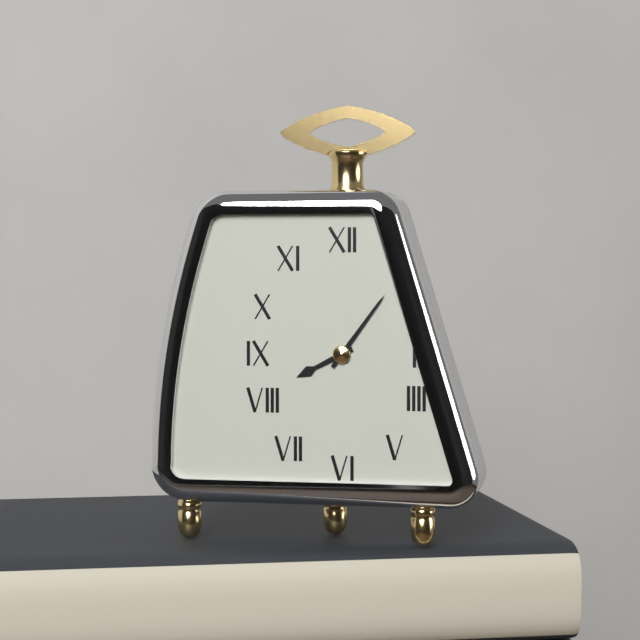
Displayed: 8 h 06 min
